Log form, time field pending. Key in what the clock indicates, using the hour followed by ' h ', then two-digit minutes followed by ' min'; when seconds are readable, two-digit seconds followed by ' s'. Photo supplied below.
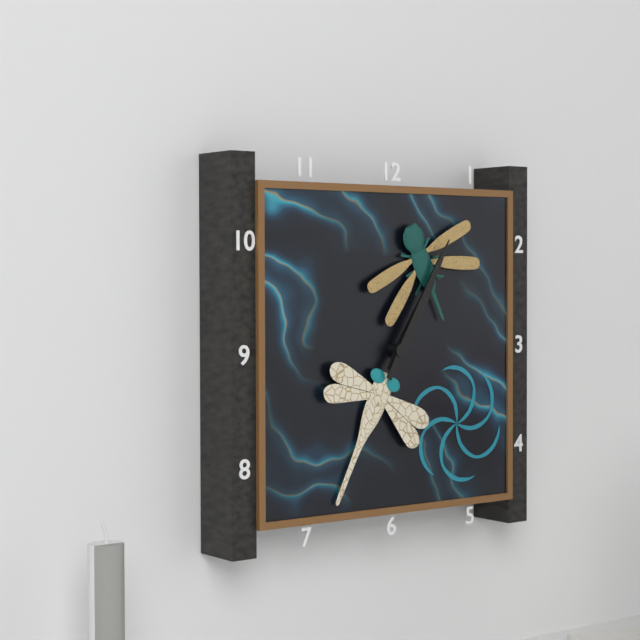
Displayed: 1 h 05 min
